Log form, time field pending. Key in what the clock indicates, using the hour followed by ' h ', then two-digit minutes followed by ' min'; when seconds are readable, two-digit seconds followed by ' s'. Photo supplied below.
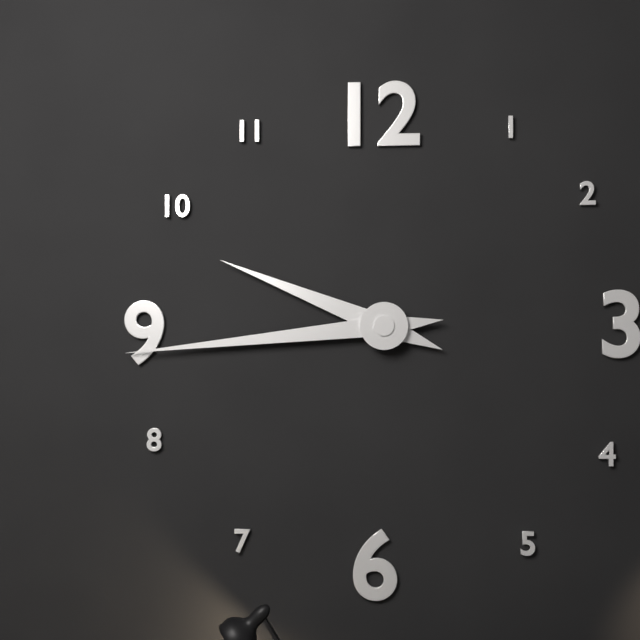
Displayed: 9 h 44 min
